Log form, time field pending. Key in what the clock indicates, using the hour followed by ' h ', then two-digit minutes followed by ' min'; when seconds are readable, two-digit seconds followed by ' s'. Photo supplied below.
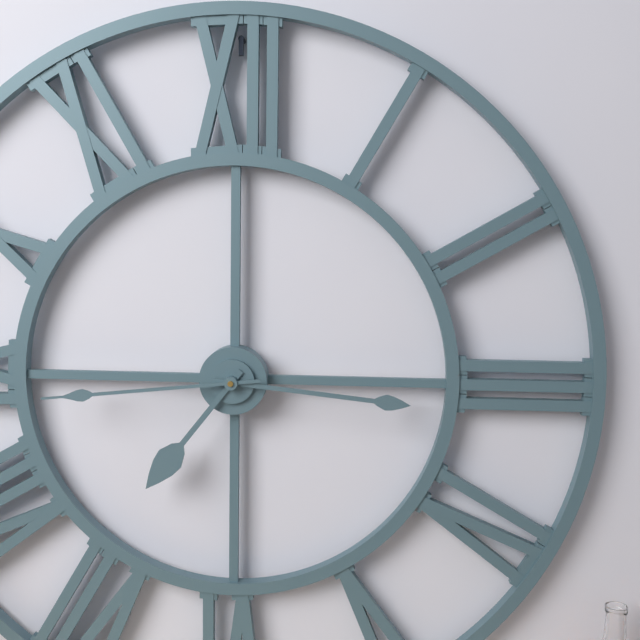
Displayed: 7 h 16 min 44 s
